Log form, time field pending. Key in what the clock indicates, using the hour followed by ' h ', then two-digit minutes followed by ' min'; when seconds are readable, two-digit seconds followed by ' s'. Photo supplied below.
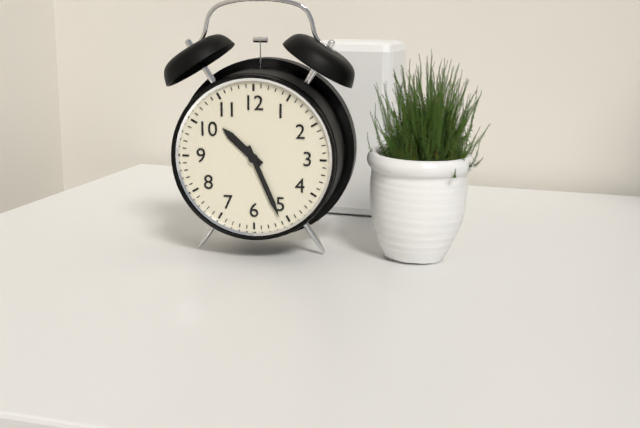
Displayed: 10 h 26 min
